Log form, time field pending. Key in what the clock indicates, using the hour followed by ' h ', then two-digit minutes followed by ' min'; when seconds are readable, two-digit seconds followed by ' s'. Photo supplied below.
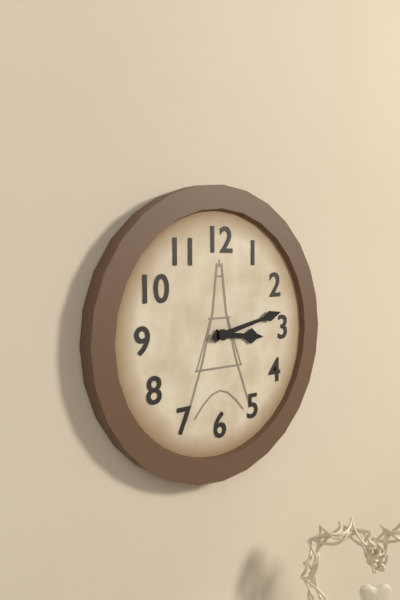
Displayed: 3 h 13 min
